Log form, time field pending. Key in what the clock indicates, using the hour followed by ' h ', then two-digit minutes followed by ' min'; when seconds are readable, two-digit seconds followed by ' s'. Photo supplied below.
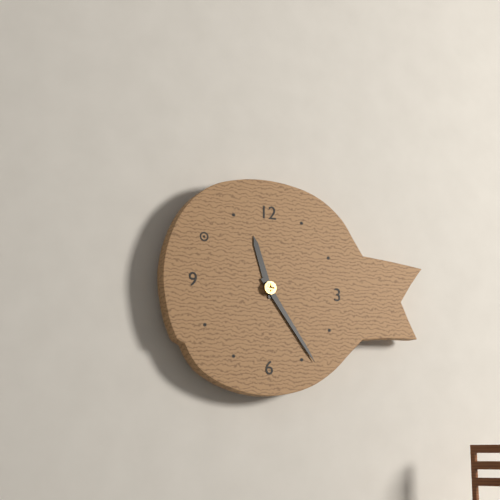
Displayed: 11 h 24 min
